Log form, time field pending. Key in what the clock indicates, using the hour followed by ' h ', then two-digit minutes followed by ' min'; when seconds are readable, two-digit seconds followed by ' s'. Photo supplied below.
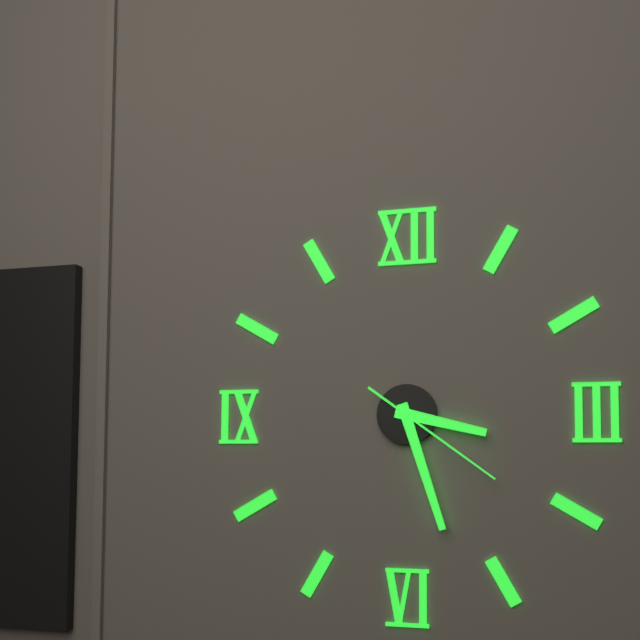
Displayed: 3 h 27 min 21 s
